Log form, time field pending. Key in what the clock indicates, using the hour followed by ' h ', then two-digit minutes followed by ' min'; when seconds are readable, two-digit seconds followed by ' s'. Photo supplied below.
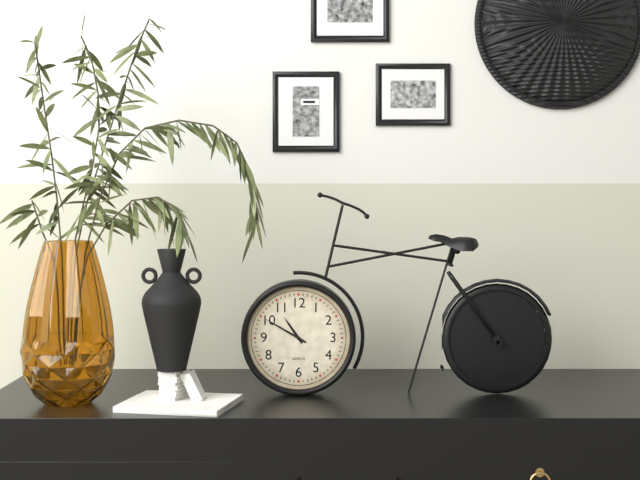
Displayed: 10 h 50 min
